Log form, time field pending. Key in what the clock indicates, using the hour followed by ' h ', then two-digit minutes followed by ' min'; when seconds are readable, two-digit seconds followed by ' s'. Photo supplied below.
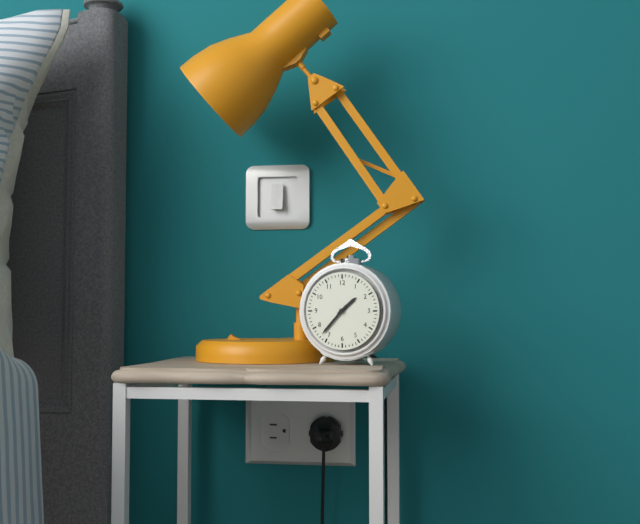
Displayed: 1 h 37 min
